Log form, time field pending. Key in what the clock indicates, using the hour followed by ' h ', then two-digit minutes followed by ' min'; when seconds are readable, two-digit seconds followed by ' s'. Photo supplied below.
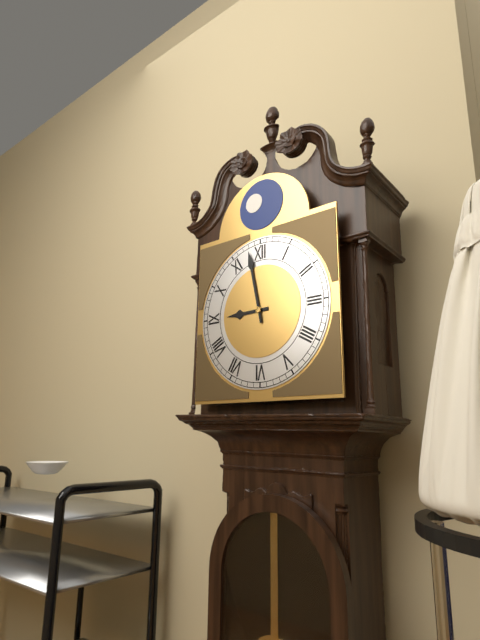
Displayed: 8 h 58 min
